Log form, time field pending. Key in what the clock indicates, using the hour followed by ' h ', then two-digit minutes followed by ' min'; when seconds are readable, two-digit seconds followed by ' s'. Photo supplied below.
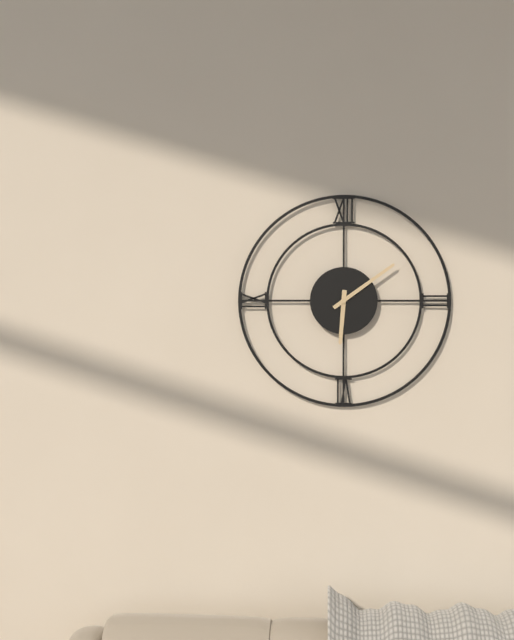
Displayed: 6 h 09 min
